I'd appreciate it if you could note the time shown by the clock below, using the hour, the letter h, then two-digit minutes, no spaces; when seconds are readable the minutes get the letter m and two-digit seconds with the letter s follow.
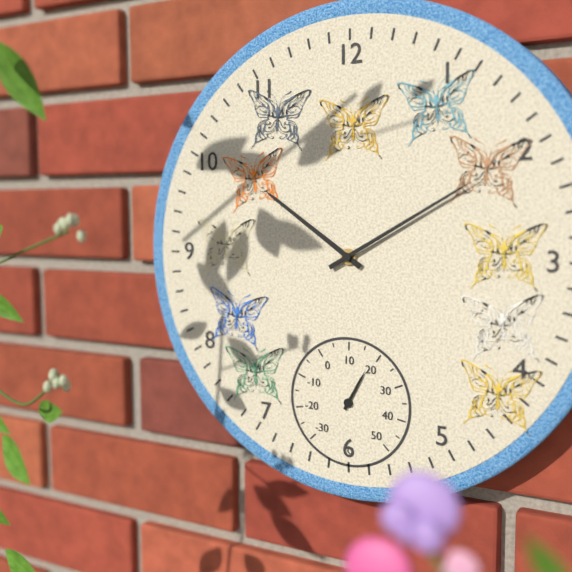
10h10
